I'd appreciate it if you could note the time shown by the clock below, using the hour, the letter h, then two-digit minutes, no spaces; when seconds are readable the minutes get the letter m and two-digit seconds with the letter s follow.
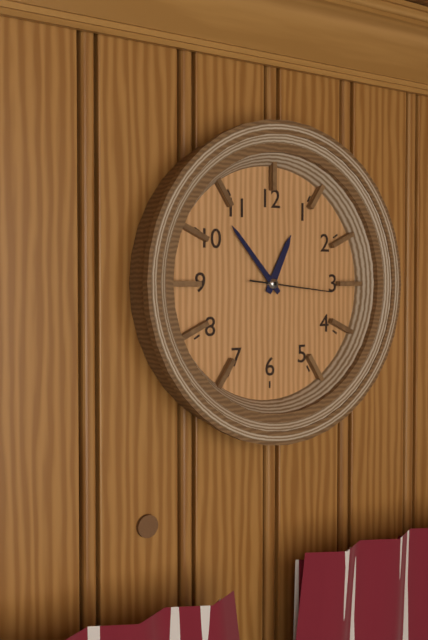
12h53m16s
